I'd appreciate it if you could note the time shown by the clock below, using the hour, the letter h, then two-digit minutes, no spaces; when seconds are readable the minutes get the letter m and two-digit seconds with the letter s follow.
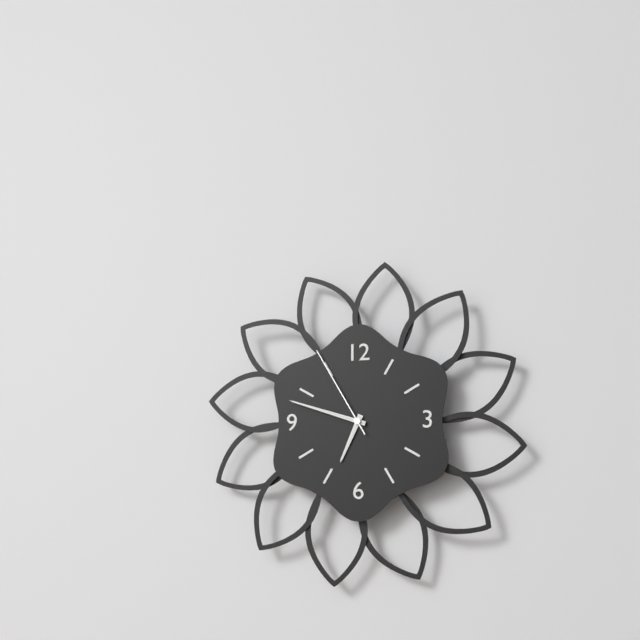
6h48m55s
